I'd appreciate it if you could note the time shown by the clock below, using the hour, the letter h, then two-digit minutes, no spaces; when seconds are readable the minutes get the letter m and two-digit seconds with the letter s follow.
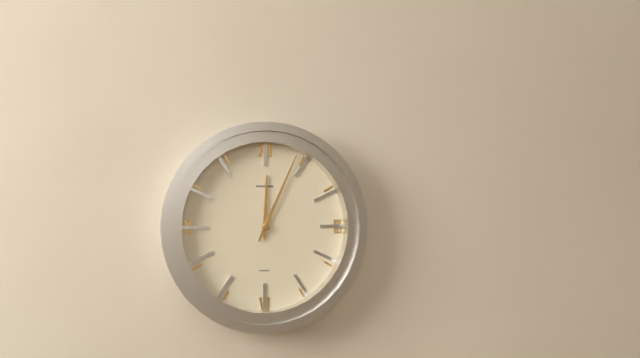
12h04
